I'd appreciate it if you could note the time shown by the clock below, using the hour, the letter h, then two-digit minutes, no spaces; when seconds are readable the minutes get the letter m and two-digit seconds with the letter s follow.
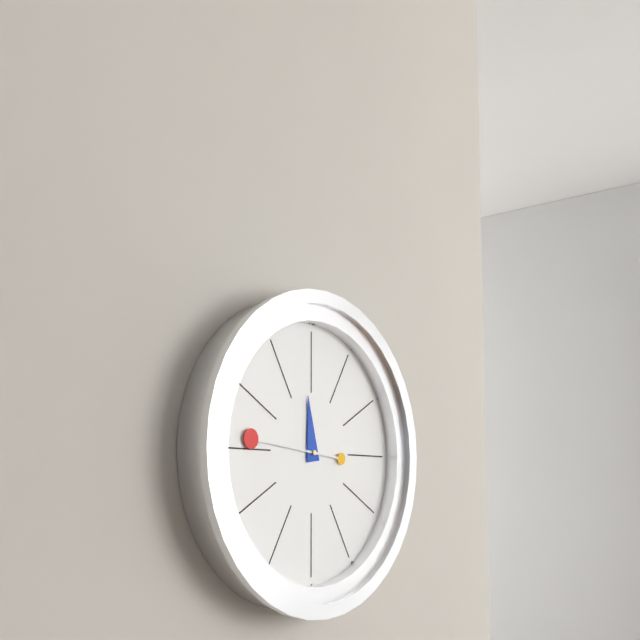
11h46
